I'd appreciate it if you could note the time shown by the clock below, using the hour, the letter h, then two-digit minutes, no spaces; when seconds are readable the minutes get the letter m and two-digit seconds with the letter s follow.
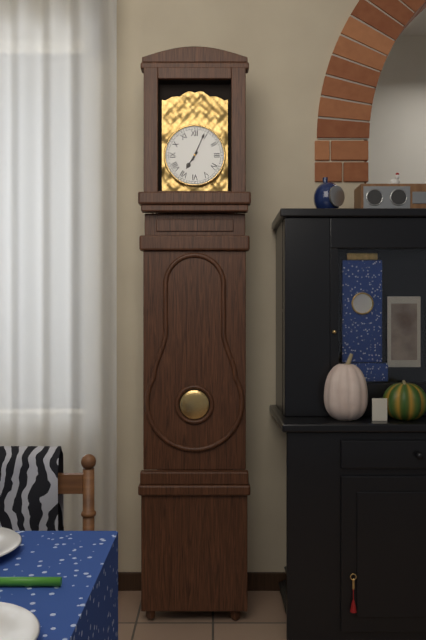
7h04
